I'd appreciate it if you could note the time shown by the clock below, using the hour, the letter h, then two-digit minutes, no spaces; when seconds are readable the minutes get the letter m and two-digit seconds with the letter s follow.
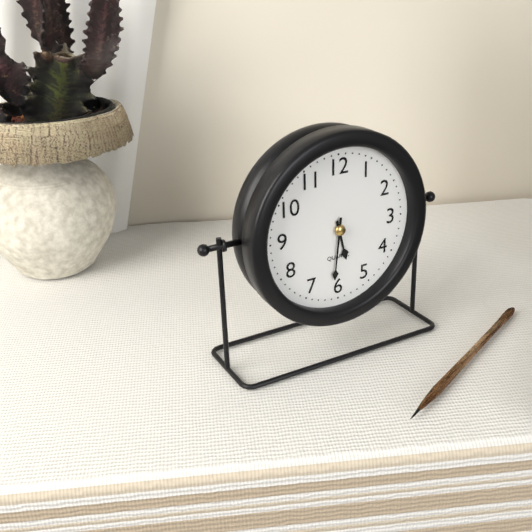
5h31
